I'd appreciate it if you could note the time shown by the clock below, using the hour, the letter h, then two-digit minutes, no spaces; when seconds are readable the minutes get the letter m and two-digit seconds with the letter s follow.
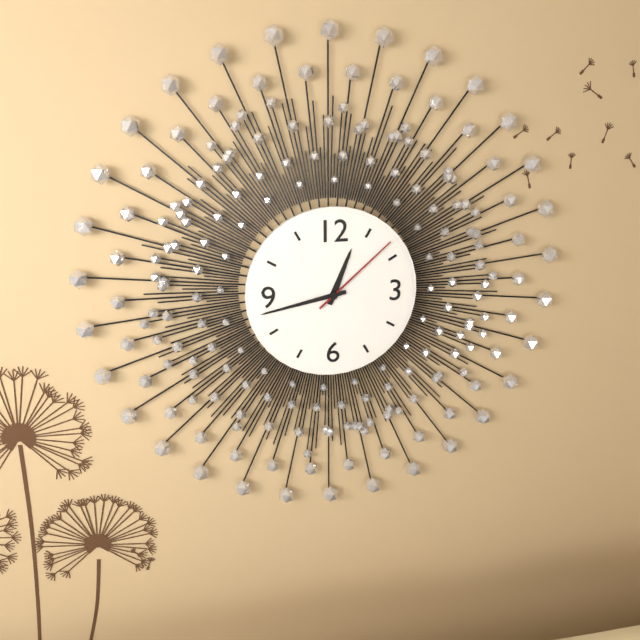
12h43m08s
